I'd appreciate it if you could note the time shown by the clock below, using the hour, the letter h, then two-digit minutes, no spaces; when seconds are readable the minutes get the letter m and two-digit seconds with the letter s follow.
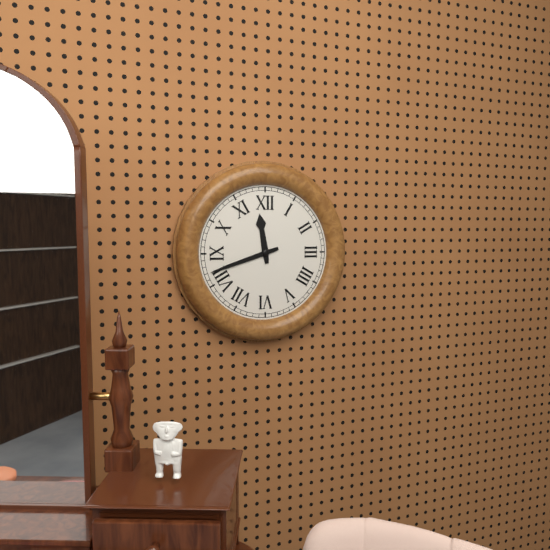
11h42
